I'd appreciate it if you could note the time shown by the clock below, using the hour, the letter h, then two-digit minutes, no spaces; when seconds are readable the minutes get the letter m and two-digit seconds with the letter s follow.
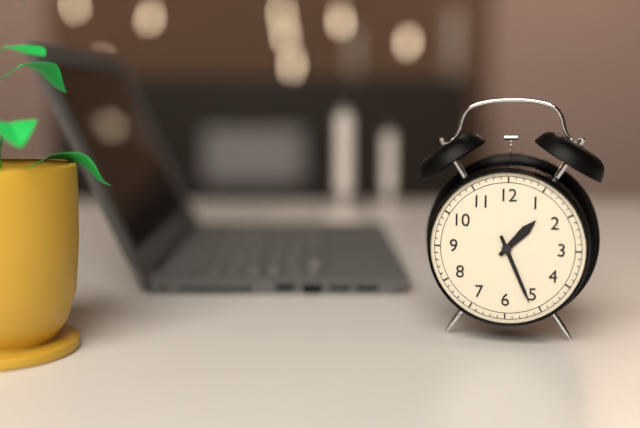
1h26
